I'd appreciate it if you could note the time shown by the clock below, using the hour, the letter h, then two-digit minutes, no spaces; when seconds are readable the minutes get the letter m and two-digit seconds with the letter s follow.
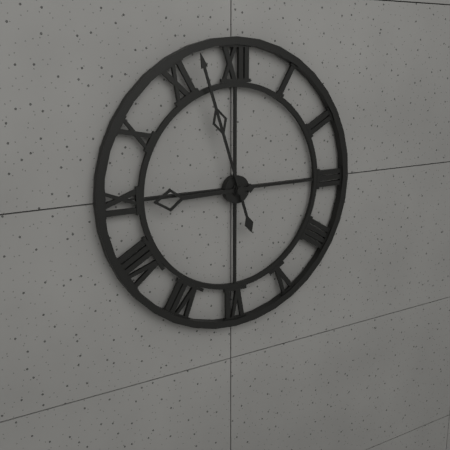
8h57
